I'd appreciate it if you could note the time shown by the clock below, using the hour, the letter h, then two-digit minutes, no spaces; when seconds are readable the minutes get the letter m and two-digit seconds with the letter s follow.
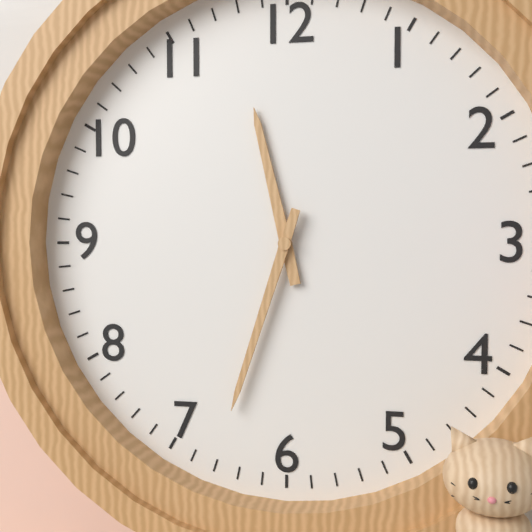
11h33
